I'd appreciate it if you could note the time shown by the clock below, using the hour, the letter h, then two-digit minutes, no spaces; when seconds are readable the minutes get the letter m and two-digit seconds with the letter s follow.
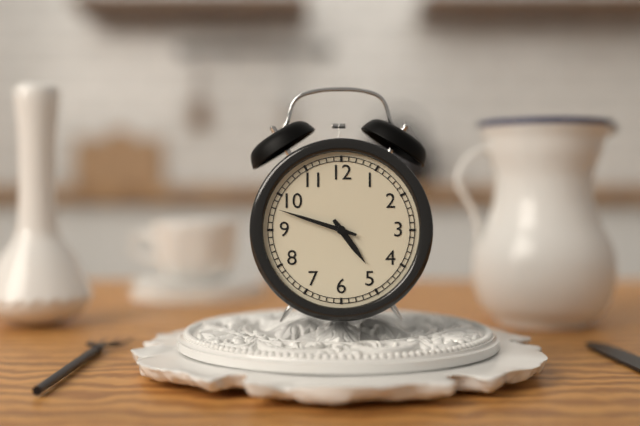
4h48
